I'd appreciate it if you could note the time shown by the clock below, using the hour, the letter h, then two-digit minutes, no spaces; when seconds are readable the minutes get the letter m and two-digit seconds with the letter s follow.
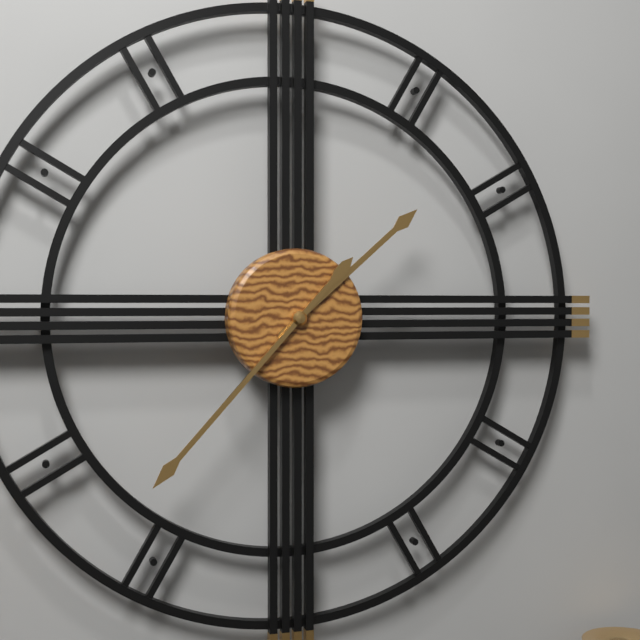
1h37
